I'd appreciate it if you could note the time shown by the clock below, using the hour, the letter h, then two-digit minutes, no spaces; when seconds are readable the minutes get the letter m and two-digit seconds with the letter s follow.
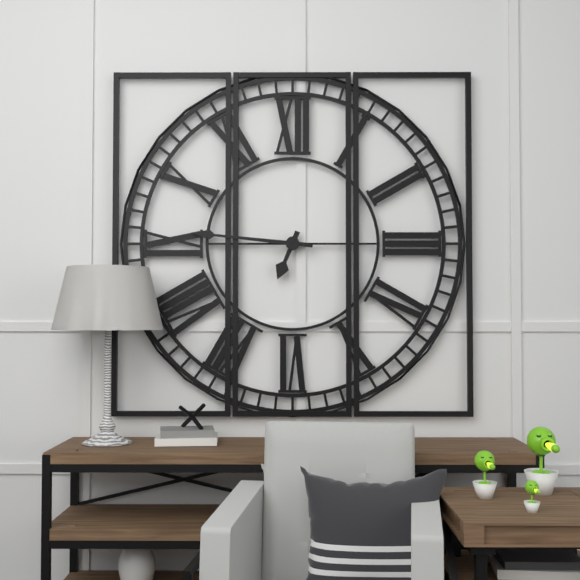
6h46
